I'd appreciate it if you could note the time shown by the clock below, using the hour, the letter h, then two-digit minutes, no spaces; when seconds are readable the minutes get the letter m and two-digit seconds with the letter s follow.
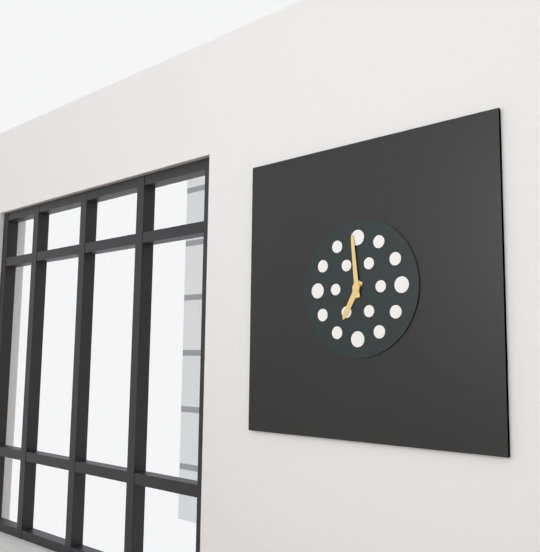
6h59
